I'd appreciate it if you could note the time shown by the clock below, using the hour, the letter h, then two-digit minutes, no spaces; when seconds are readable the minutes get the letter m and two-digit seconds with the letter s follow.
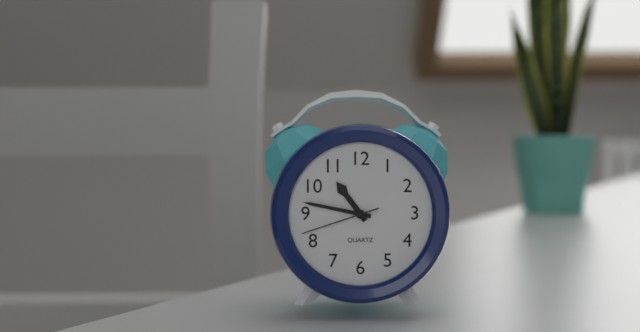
10h47m42s
